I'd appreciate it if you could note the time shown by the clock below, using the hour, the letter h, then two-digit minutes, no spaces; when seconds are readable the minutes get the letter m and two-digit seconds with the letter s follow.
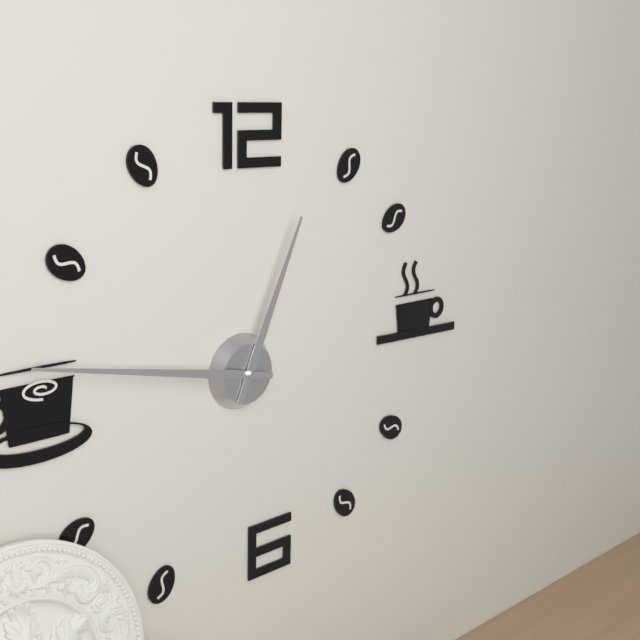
12h47
